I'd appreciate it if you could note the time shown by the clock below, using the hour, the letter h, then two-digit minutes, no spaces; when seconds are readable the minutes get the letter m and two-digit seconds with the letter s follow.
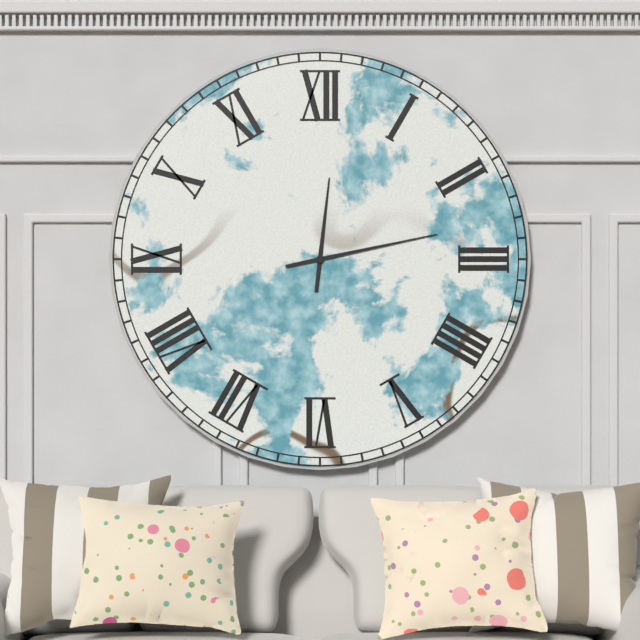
12h13
